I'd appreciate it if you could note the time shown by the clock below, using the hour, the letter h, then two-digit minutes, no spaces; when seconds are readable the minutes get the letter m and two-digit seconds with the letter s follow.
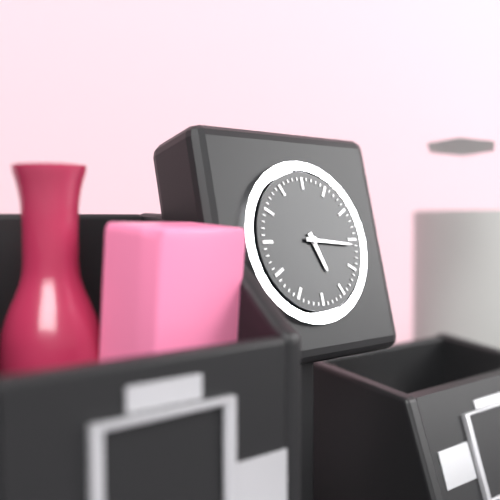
5h16
